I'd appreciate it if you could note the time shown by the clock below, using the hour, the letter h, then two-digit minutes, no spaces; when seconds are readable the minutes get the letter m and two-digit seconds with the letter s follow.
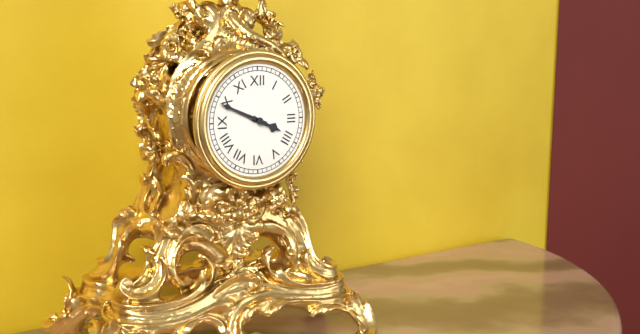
3h49
